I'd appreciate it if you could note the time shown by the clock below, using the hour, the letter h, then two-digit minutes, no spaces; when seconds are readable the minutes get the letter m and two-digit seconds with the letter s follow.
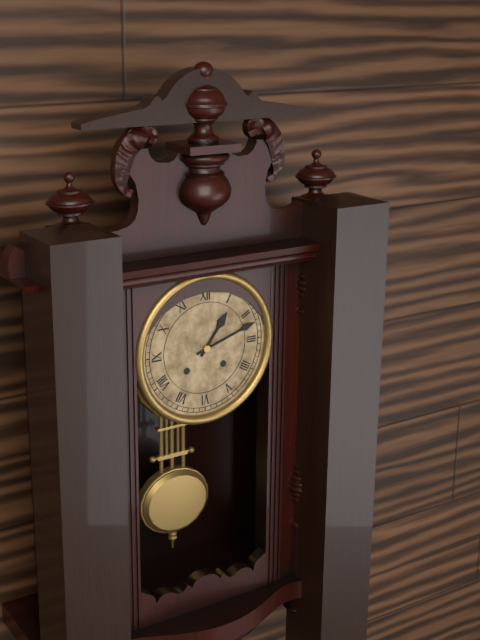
1h12
